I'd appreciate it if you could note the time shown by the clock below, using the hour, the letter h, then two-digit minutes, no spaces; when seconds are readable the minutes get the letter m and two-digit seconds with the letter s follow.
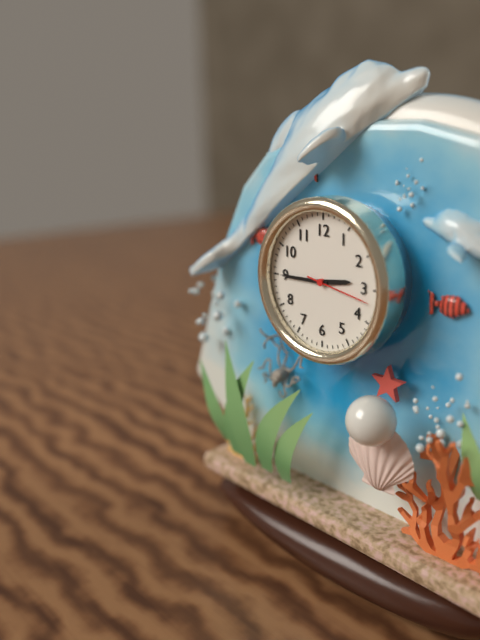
2h45m17s
